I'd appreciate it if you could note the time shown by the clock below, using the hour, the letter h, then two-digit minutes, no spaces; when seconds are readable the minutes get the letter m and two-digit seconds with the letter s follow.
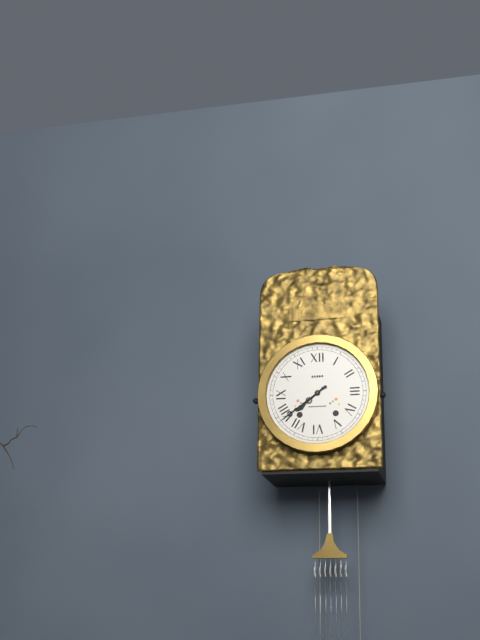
7h39
